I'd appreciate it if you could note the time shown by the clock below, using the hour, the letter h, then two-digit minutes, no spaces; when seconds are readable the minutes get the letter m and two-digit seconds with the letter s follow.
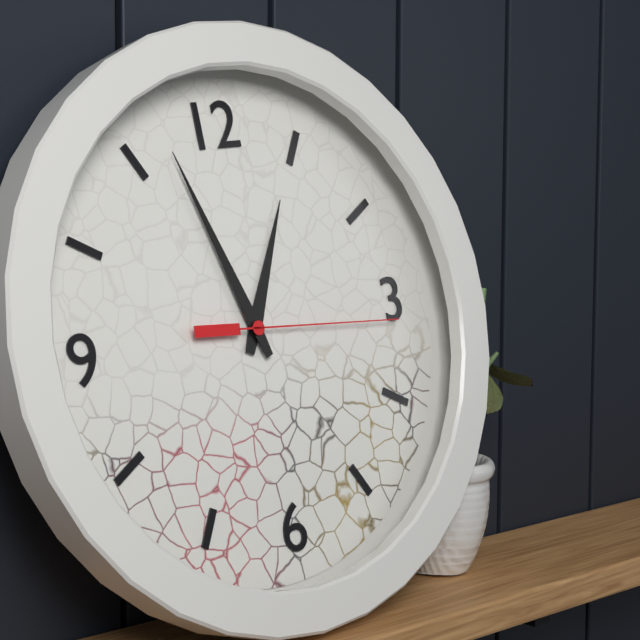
12h57m16s
